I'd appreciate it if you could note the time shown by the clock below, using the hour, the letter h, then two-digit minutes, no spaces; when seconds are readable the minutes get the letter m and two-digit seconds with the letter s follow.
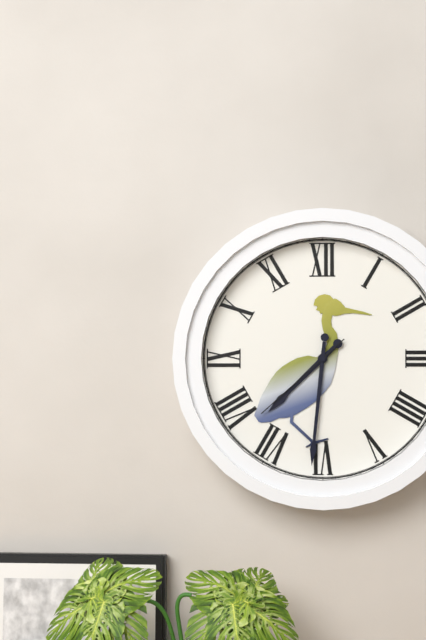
7h31m38s
